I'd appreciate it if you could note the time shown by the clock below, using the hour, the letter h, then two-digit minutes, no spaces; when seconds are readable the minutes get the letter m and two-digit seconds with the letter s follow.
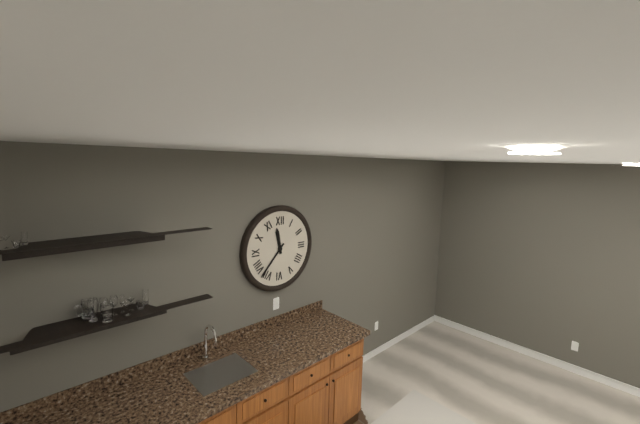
11h37
